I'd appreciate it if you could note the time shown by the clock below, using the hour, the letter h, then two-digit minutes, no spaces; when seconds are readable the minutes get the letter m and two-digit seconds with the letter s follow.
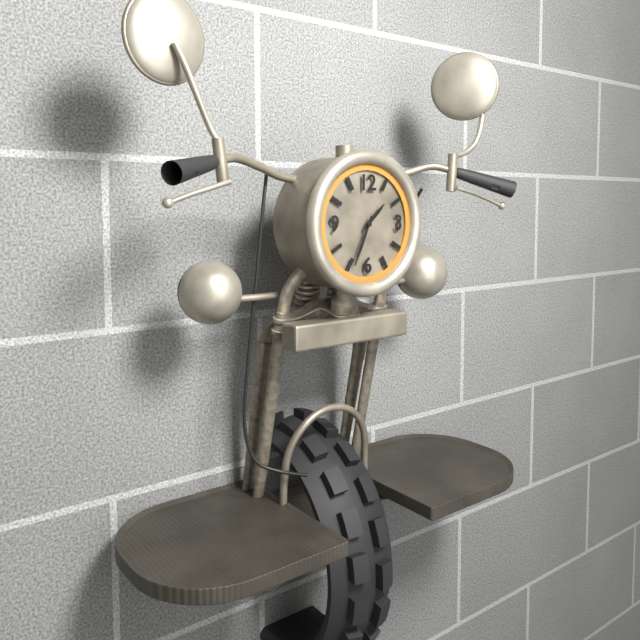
1h34
